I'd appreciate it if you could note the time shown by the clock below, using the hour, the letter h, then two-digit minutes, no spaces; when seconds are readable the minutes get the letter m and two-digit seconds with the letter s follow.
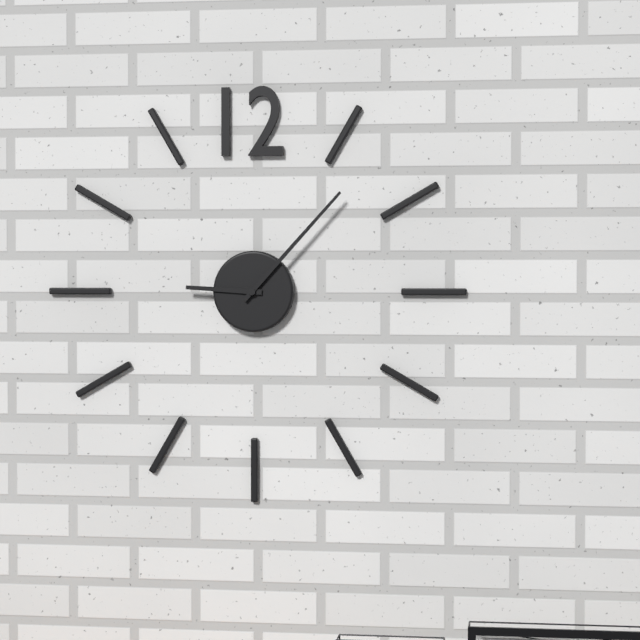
9h07
